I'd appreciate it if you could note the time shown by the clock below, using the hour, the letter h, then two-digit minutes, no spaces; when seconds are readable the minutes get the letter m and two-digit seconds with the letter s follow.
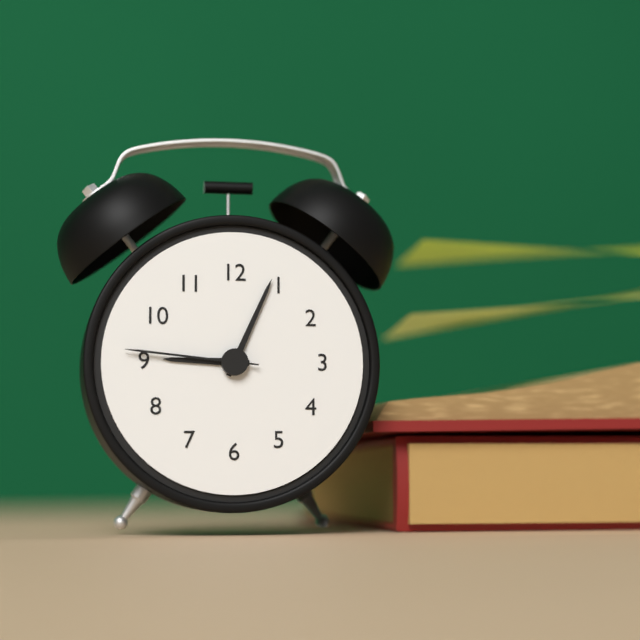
9h04m46s
